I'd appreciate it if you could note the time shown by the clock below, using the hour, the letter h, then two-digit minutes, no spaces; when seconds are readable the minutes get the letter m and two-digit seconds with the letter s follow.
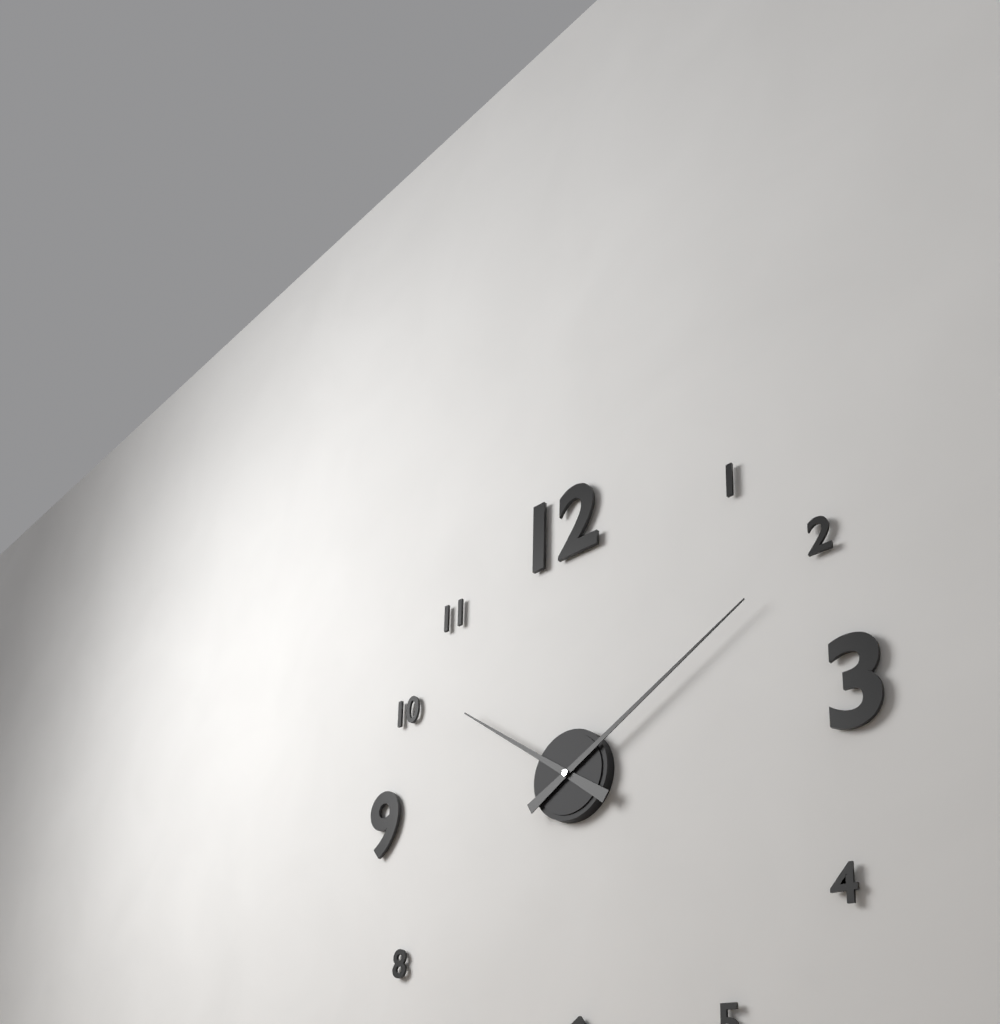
10h10
